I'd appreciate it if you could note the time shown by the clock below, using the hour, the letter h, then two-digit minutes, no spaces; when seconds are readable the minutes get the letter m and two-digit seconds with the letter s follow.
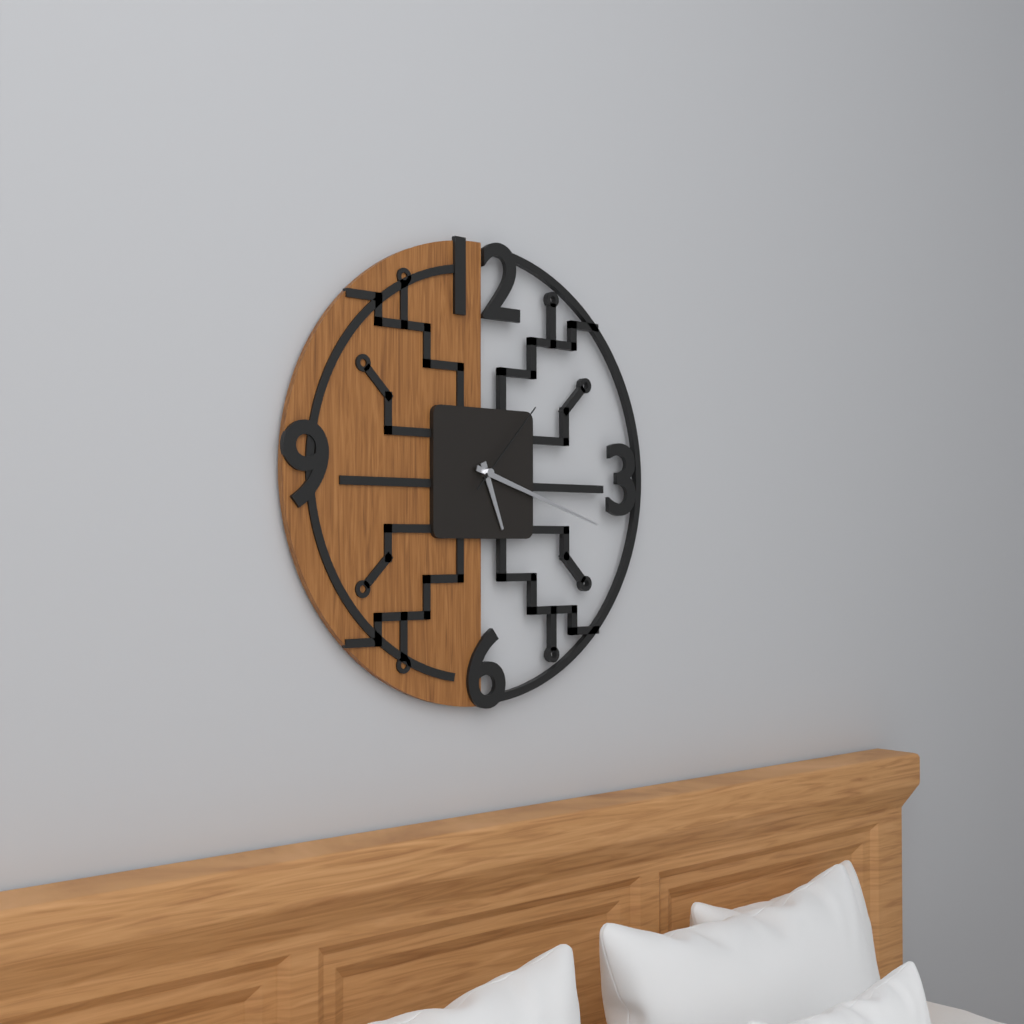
5h18m07s
